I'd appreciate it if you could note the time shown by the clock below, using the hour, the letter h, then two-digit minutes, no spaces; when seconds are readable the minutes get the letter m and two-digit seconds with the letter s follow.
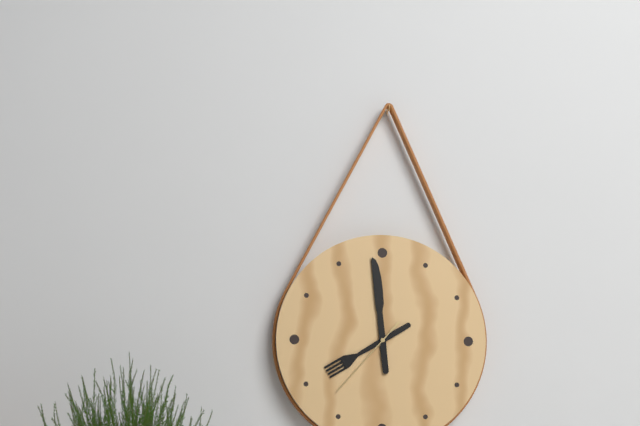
7h59m37s
